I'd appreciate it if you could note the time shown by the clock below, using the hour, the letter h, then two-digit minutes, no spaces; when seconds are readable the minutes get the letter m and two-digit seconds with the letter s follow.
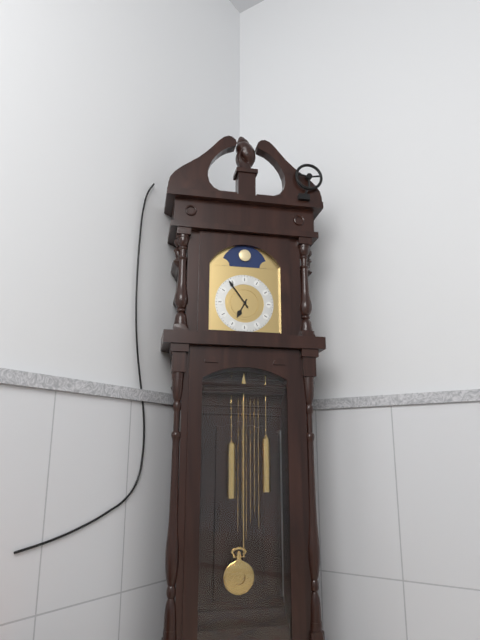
6h54
